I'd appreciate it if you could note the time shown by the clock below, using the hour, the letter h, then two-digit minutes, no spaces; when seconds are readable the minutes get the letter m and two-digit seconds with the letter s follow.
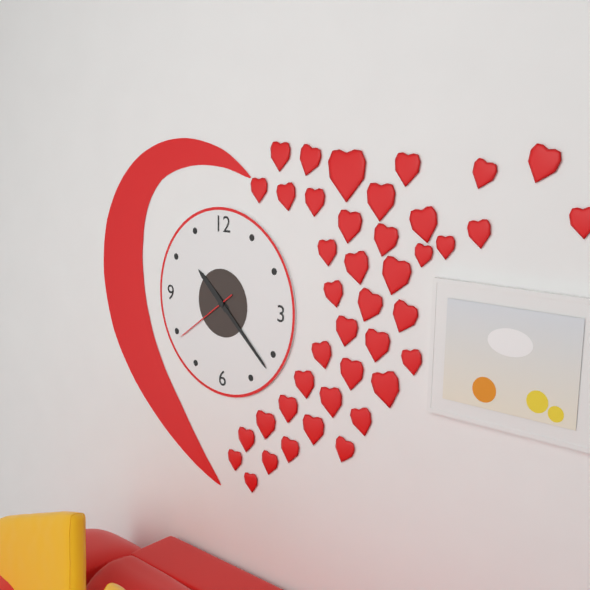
10h22m39s
